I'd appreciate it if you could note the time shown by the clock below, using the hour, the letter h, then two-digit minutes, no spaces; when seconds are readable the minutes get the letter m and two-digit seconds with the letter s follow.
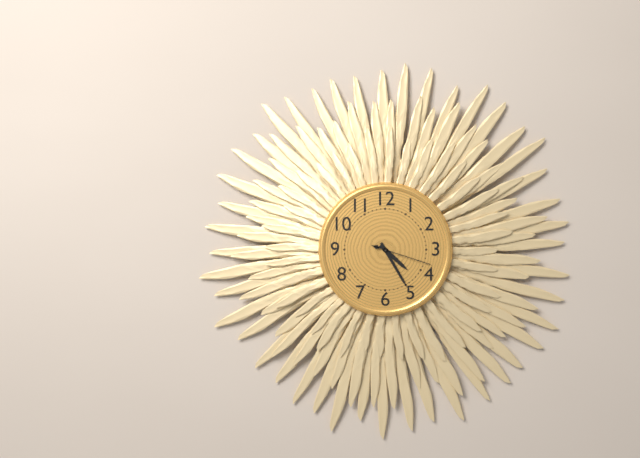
4h25m18s
